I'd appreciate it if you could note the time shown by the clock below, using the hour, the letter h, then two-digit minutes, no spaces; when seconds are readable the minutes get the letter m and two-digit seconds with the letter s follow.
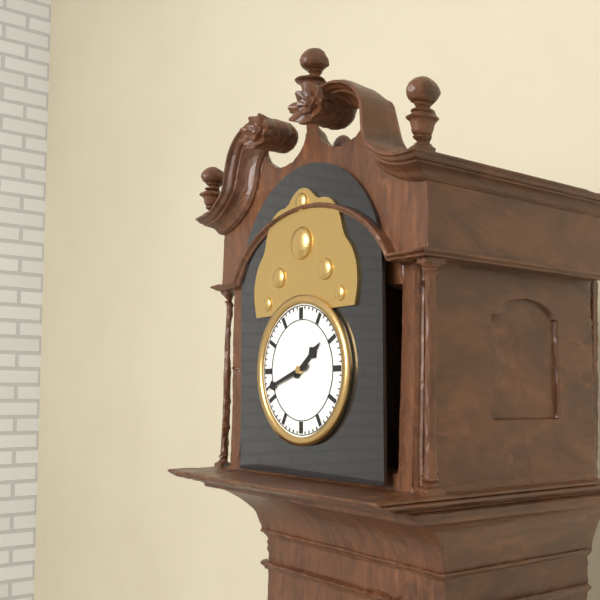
1h42
